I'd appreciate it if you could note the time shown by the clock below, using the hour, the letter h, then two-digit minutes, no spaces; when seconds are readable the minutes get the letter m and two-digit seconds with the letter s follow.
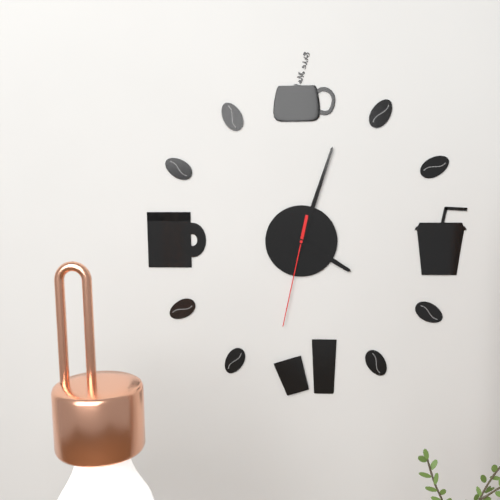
4h03m32s
